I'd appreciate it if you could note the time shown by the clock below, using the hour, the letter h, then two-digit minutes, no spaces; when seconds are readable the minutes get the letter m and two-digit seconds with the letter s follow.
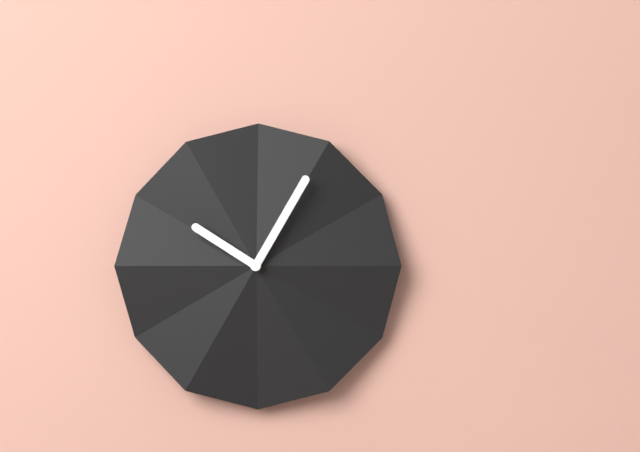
10h05
